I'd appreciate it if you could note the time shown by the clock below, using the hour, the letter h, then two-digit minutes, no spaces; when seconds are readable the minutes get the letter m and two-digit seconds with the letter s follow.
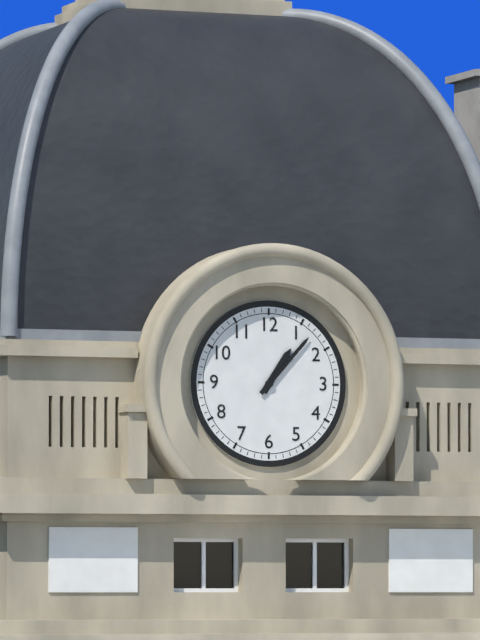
1h07
